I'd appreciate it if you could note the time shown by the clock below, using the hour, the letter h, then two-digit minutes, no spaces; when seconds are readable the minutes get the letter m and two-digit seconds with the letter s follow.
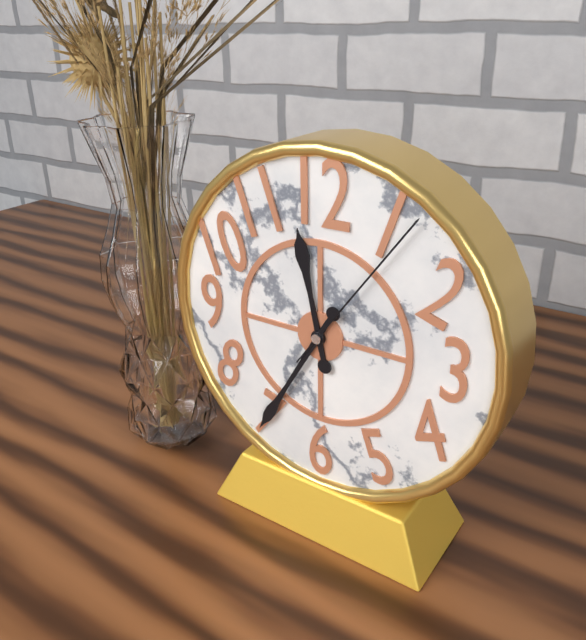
11h35m06s
